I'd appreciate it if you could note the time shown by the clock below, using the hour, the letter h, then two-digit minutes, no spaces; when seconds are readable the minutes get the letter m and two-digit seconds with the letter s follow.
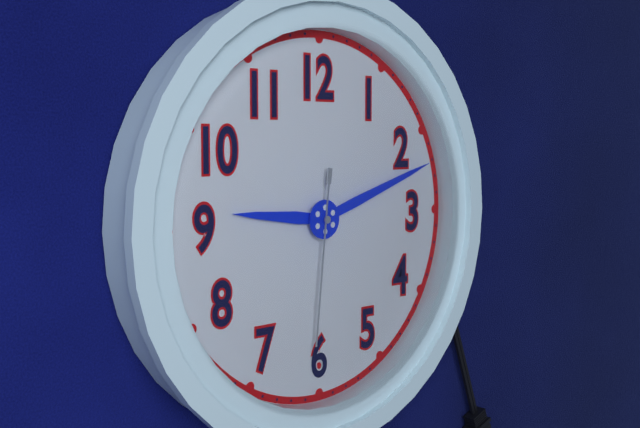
9h12m31s
